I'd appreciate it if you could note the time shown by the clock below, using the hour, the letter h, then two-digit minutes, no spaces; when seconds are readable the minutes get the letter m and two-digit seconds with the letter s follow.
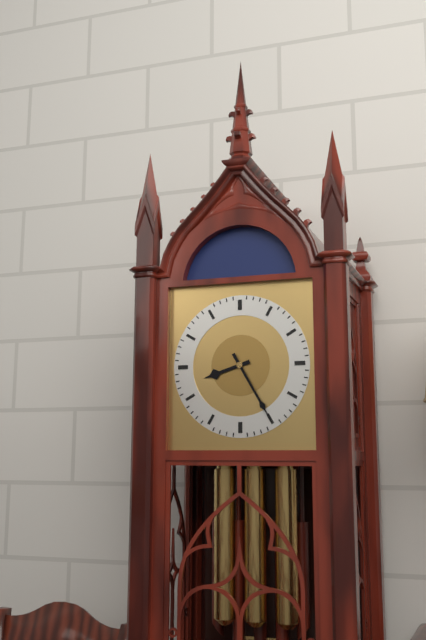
8h25
